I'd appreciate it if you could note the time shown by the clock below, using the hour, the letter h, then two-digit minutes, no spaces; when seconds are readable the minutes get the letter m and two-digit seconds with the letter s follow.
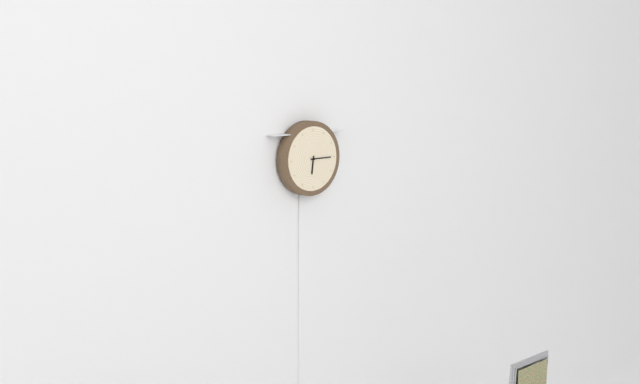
6h15
